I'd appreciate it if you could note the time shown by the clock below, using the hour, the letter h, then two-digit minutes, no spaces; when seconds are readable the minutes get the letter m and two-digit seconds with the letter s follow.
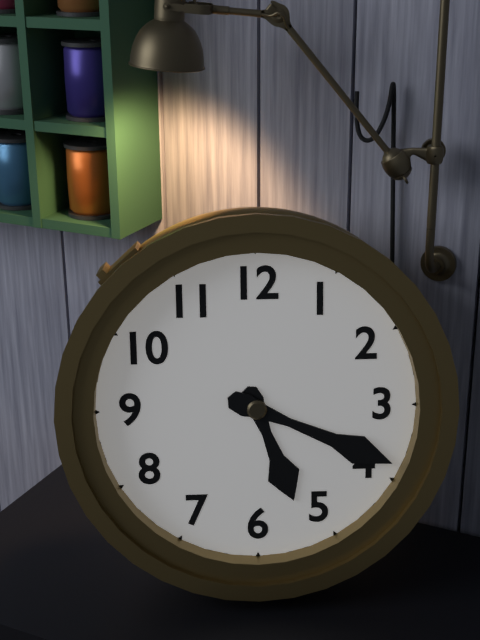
5h19
